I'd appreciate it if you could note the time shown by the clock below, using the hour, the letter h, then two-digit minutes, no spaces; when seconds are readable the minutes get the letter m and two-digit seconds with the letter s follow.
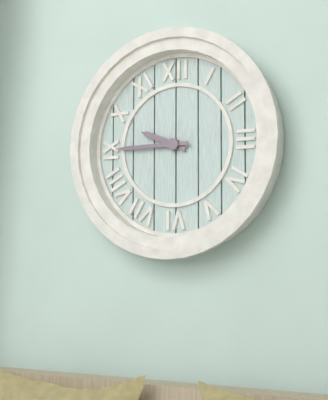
9h45
